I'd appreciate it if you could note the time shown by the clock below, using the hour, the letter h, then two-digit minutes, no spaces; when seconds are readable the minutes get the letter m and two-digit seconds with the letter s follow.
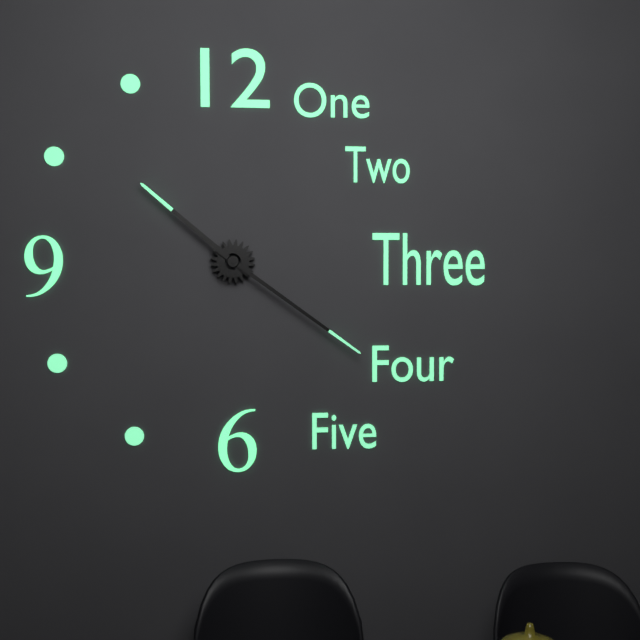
10h21
